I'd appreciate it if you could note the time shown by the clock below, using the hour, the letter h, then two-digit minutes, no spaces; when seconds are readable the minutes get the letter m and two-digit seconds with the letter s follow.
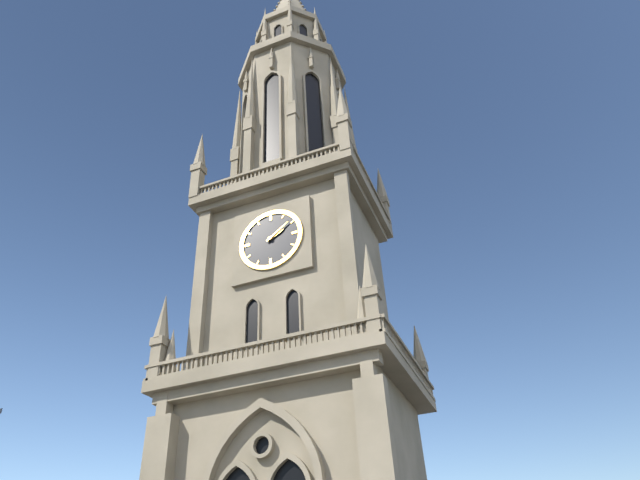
2h09
